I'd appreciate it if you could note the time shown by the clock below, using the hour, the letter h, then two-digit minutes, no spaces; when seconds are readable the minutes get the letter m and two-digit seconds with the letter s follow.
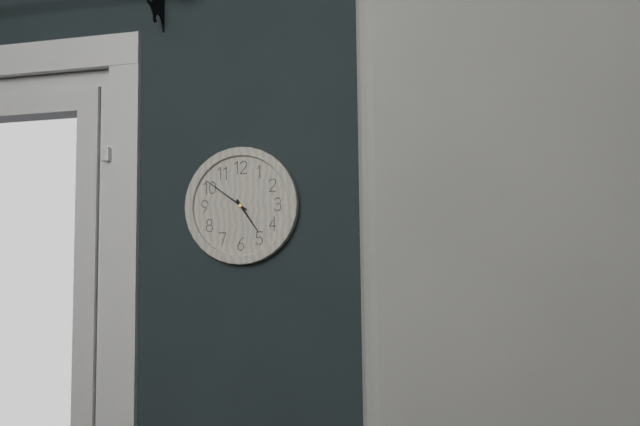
4h51
